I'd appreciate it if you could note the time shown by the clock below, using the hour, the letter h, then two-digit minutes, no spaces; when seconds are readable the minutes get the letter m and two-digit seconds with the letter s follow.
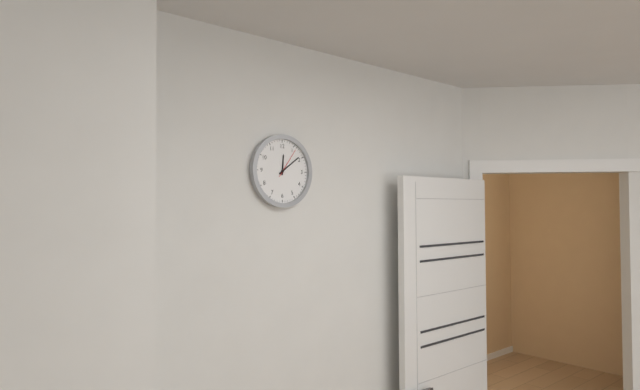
12h09
